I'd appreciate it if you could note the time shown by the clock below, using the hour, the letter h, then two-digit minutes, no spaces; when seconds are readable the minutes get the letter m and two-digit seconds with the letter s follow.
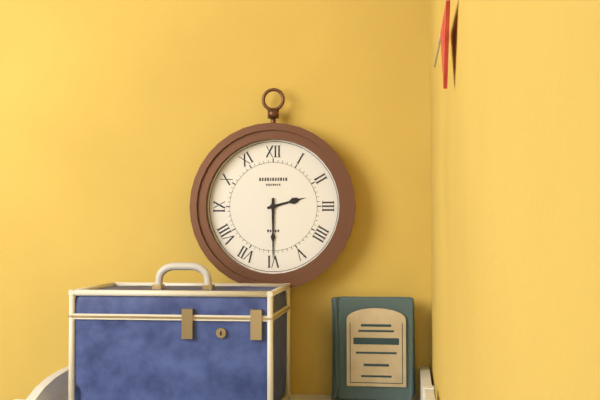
2h30
